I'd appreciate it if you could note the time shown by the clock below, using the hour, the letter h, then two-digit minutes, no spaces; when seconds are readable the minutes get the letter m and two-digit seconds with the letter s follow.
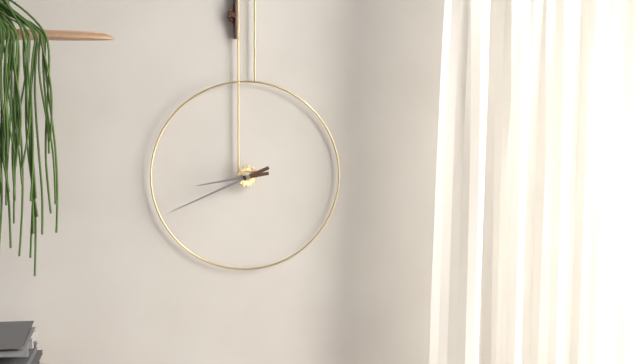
8h41
